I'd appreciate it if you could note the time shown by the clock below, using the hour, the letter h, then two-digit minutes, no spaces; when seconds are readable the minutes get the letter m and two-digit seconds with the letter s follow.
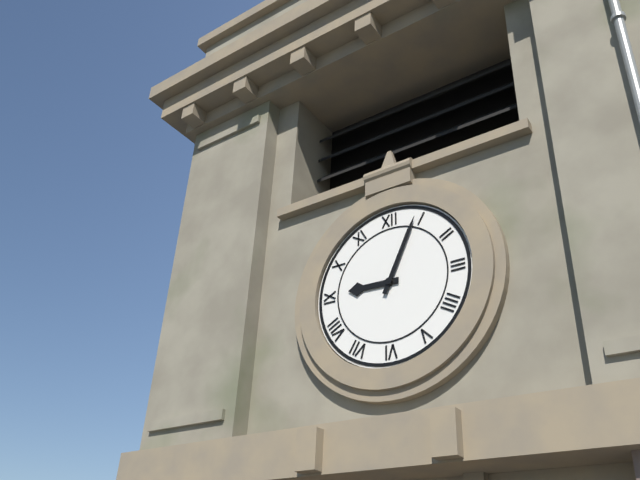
9h04
